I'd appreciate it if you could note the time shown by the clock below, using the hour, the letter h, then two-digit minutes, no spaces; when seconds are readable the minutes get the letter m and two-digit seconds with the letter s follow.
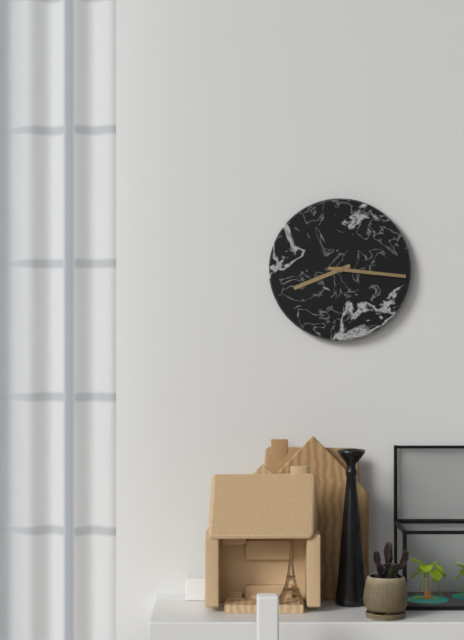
8h16
